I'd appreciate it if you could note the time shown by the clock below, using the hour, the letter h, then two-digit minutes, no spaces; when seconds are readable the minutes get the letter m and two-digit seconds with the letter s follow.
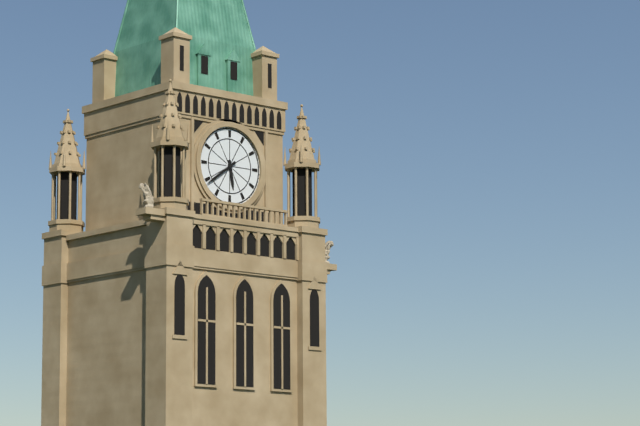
5h39
